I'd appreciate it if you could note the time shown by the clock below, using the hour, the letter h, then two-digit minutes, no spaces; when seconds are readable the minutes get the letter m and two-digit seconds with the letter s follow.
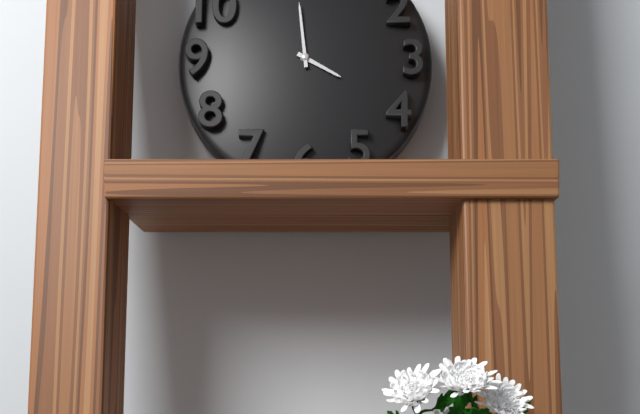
3h59
